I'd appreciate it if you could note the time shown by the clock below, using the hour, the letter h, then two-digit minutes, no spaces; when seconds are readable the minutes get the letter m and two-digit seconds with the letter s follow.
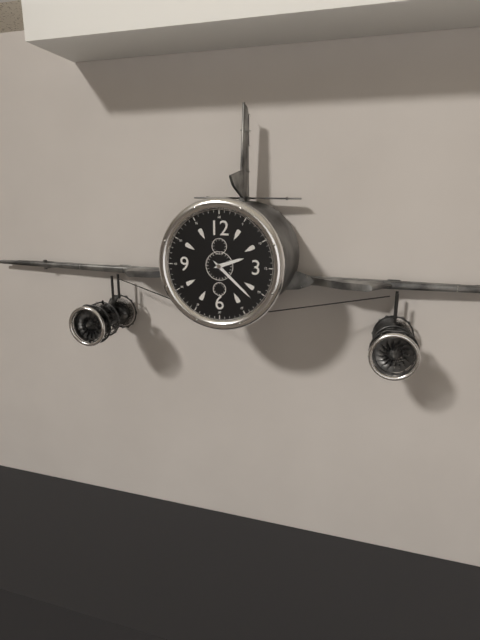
2h22
